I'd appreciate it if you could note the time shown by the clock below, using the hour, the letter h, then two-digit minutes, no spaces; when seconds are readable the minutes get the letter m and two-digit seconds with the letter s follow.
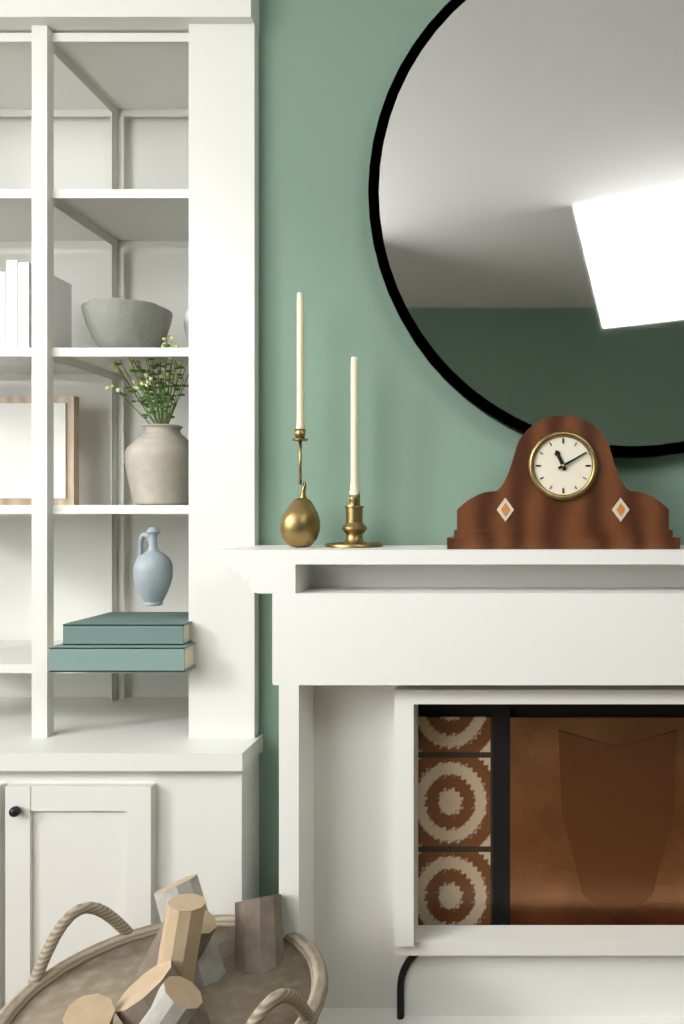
11h10
